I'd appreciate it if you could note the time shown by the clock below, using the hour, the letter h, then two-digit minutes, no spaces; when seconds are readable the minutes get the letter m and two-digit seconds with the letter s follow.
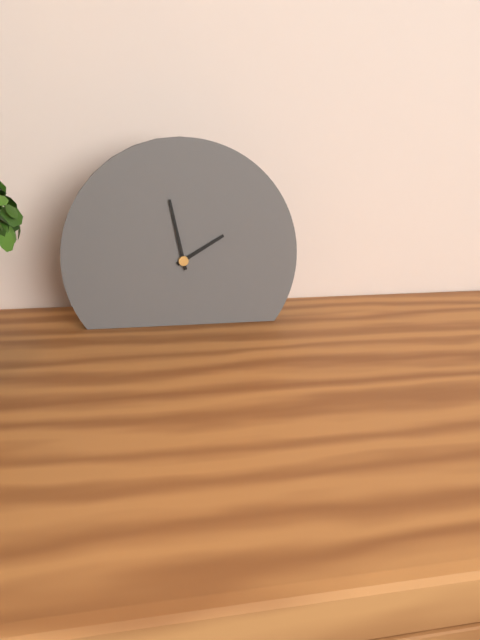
1h58
